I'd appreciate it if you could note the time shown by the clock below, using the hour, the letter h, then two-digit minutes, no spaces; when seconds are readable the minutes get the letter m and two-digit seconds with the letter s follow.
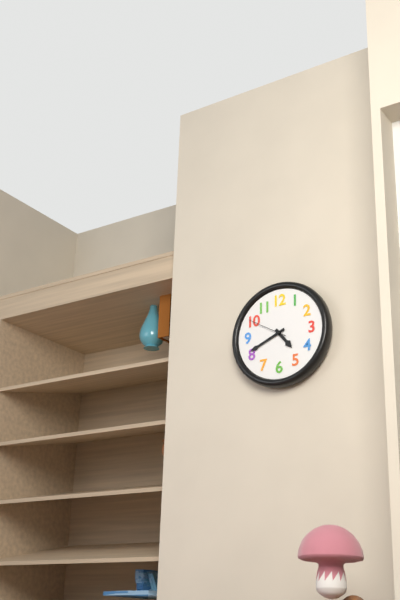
4h41
